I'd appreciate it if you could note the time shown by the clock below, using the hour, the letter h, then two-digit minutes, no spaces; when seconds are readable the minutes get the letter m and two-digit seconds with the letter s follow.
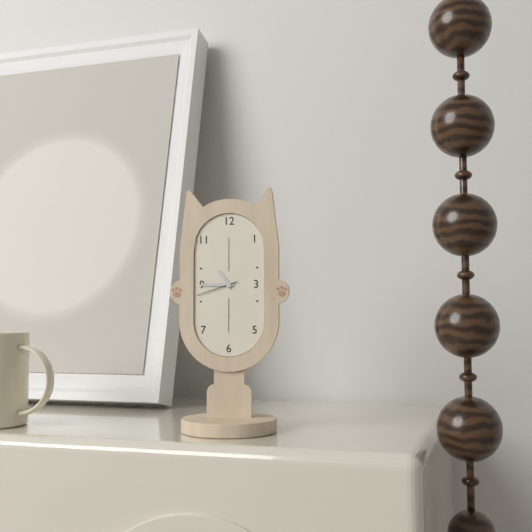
10h45
